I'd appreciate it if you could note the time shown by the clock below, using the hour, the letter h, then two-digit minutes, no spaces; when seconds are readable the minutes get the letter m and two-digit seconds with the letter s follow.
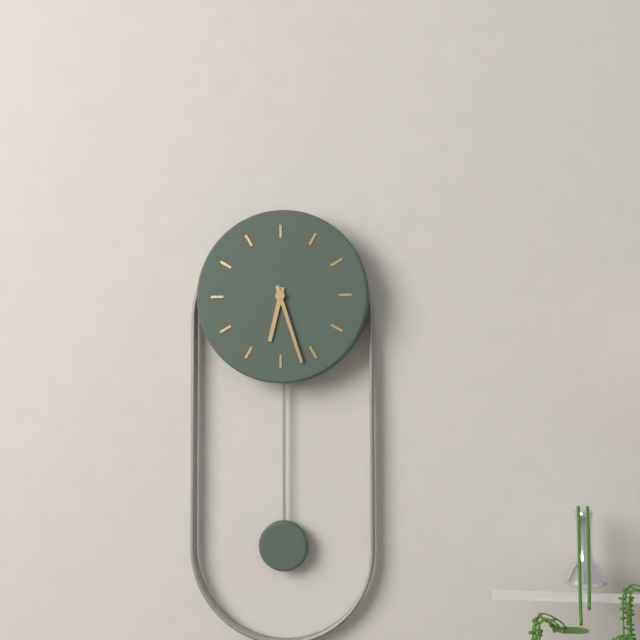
6h27
